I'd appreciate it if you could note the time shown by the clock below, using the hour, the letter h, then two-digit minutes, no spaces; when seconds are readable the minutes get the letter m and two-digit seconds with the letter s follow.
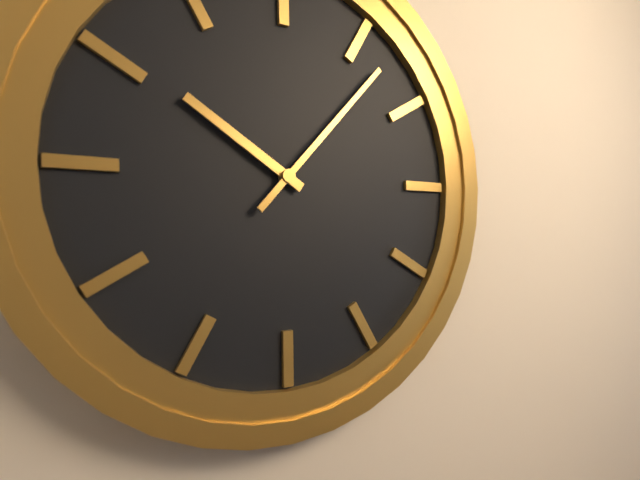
10h07
